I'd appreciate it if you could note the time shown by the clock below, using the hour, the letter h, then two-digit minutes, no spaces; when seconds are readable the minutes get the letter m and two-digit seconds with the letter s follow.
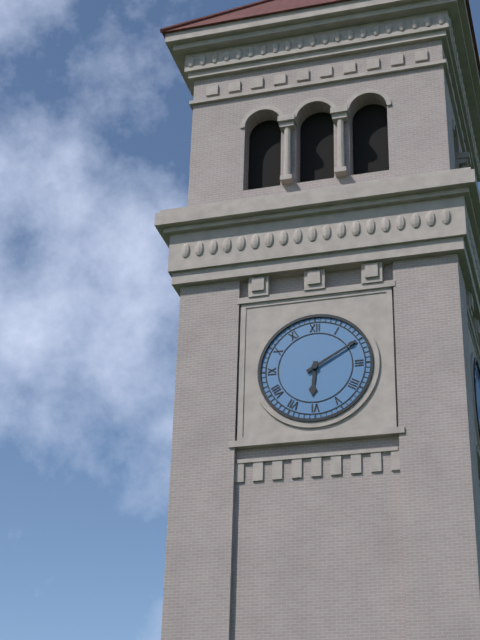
6h10
